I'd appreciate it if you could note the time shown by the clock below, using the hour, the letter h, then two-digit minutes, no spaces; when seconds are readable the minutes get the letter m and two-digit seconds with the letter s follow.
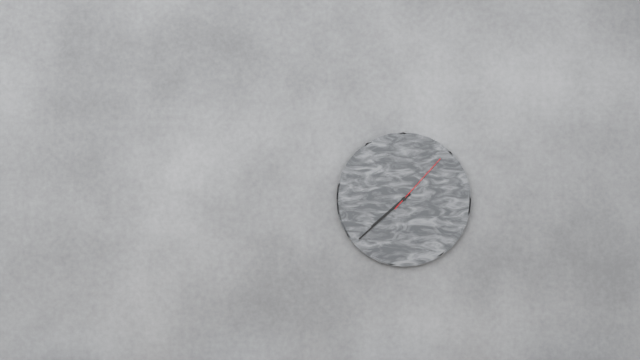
7h38m07s
